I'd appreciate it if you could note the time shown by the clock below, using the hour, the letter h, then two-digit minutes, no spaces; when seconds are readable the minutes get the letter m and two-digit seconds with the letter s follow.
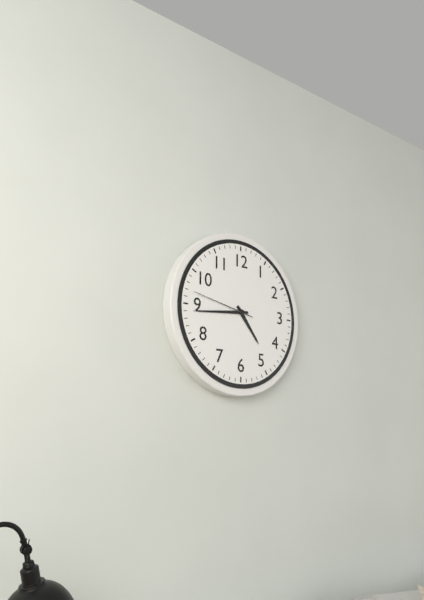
4h44m47s
